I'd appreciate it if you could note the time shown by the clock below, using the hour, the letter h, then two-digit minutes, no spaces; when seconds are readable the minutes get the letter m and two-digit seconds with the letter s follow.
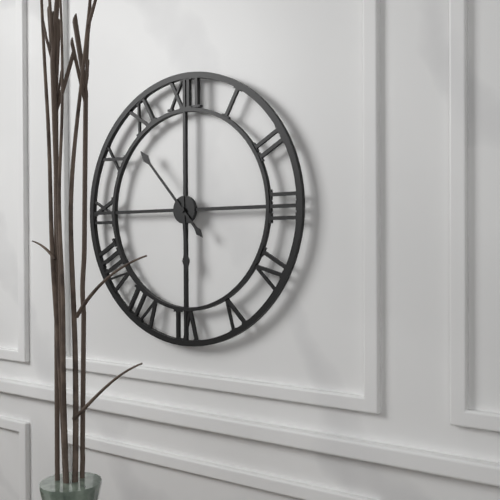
5h53
